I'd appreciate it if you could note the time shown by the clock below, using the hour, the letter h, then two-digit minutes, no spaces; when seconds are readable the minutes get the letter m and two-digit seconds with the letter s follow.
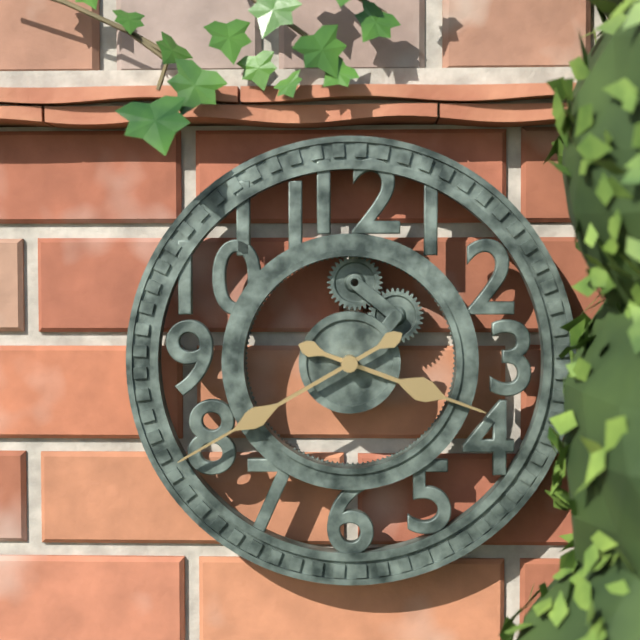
3h40
